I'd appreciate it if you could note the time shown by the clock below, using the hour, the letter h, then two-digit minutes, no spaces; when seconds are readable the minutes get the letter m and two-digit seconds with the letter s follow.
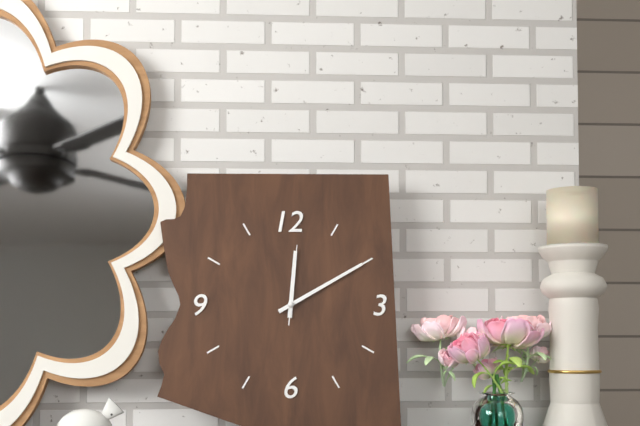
12h10m01s
